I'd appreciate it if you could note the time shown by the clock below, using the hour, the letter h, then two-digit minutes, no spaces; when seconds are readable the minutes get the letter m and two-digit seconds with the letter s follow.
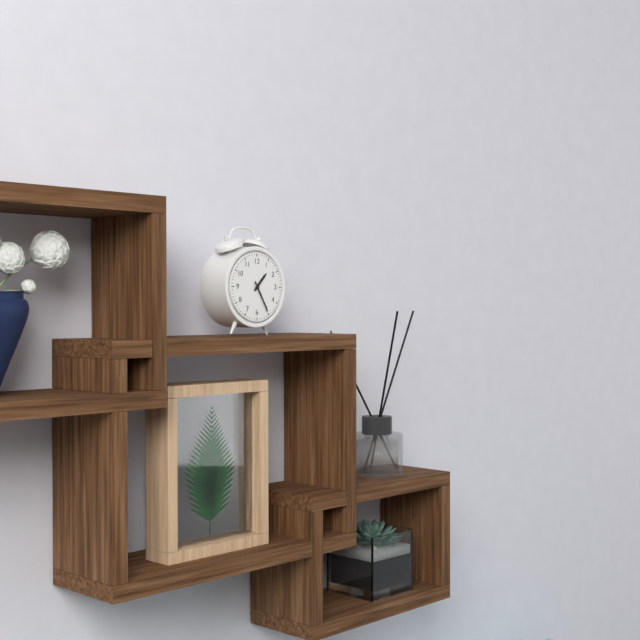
1h25
